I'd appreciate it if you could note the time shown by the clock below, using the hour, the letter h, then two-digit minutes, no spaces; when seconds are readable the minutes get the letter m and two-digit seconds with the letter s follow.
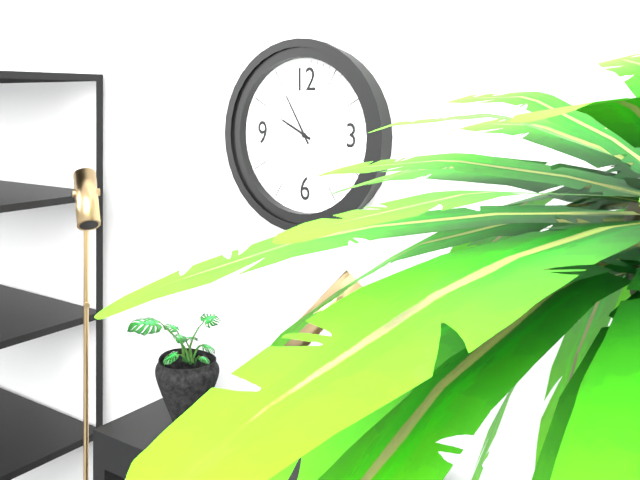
9h55
